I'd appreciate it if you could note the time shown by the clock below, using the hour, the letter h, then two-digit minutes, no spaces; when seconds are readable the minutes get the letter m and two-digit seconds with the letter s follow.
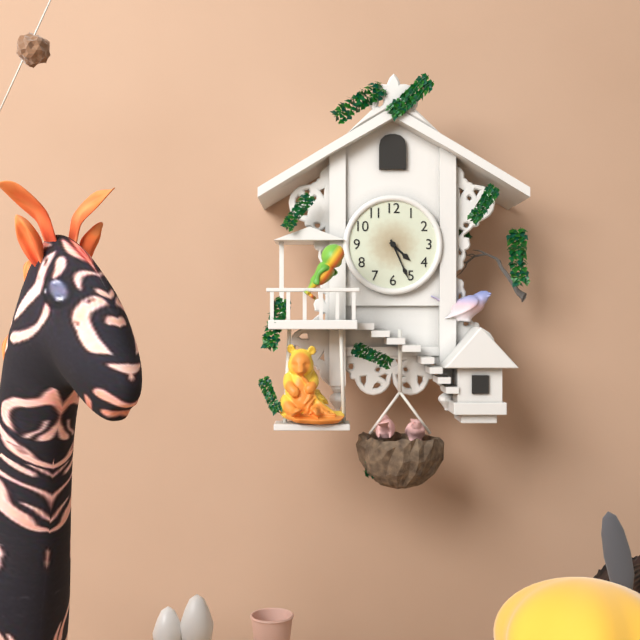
4h26
